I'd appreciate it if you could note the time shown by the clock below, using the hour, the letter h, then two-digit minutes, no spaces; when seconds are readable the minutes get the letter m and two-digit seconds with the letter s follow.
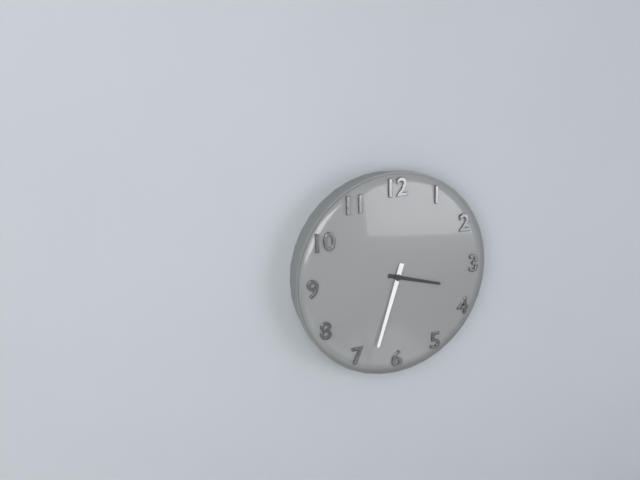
3h33
